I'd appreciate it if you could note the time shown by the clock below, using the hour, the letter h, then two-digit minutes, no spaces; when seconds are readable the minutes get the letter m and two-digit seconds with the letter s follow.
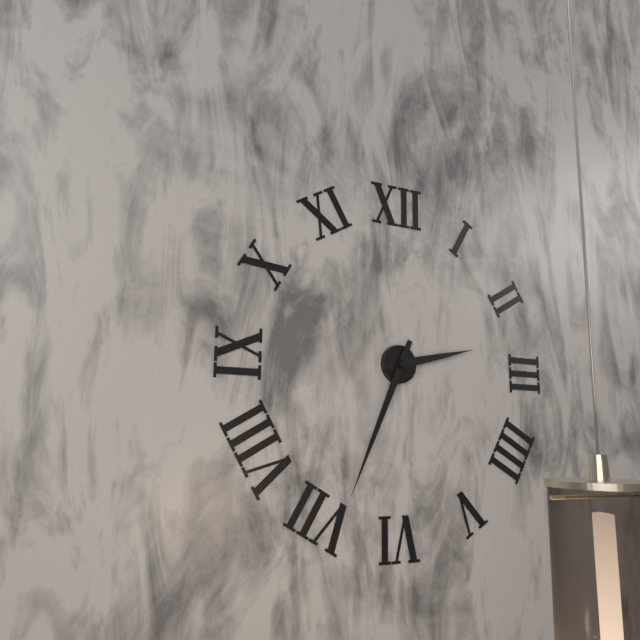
2h34
